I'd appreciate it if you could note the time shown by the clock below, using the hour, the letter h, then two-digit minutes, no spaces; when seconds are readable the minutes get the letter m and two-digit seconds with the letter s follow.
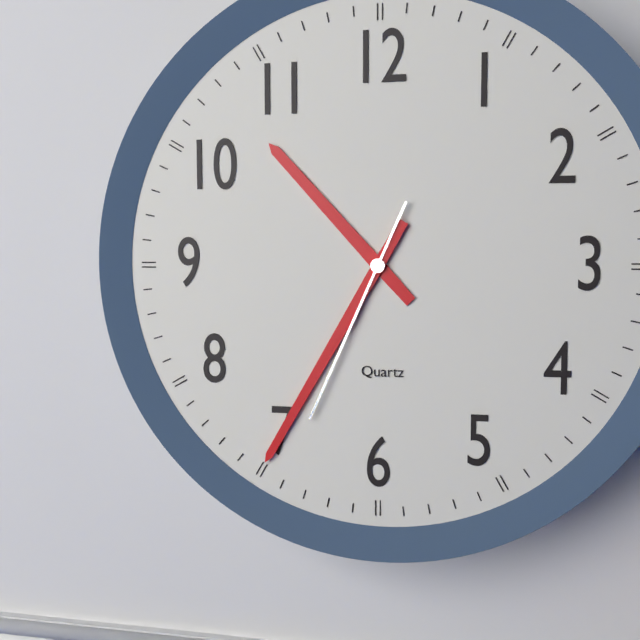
10h35m34s
